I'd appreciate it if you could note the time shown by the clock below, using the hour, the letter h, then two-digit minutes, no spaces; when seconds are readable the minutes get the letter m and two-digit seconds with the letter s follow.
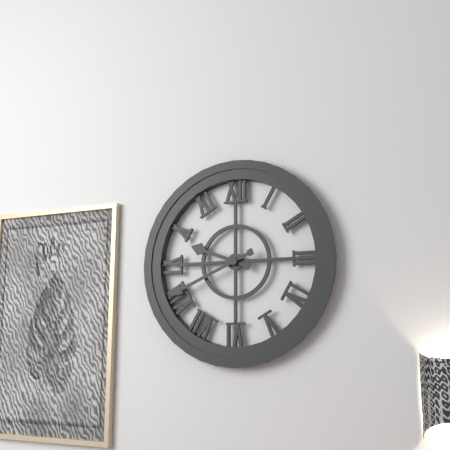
9h41
